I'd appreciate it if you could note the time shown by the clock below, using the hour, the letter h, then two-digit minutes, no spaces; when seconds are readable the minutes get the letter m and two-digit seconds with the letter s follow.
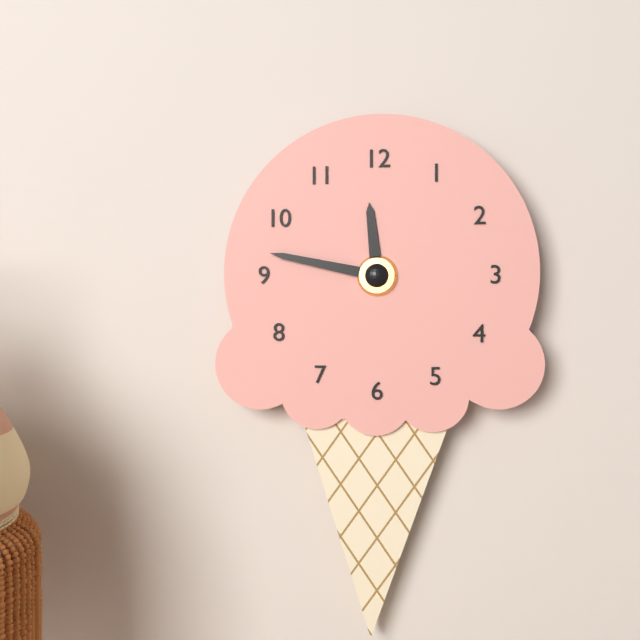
11h47
